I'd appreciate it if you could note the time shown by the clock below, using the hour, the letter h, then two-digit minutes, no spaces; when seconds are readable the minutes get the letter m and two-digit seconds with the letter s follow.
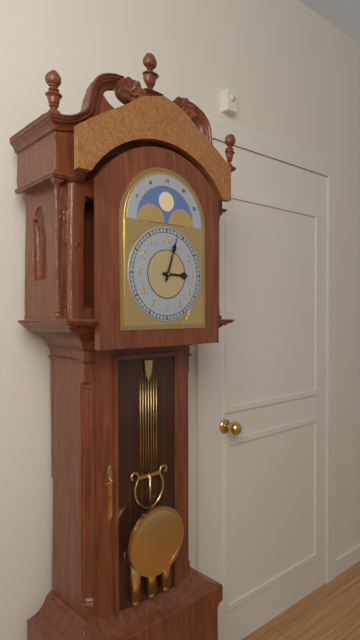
3h03
